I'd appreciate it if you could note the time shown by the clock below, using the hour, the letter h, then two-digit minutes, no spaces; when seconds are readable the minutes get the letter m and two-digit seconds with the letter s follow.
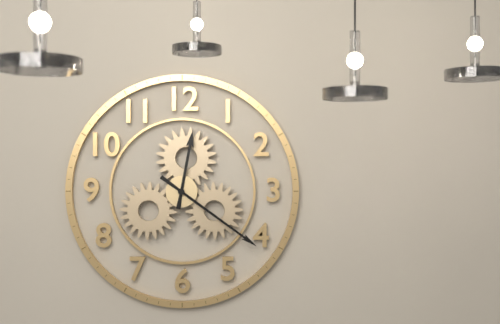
12h21
